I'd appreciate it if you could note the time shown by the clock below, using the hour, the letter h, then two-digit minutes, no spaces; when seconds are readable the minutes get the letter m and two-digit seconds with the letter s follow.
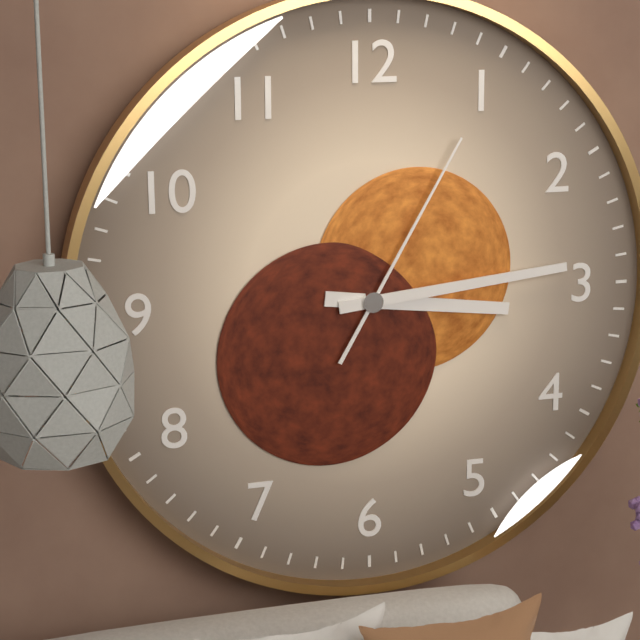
3h14m05s
